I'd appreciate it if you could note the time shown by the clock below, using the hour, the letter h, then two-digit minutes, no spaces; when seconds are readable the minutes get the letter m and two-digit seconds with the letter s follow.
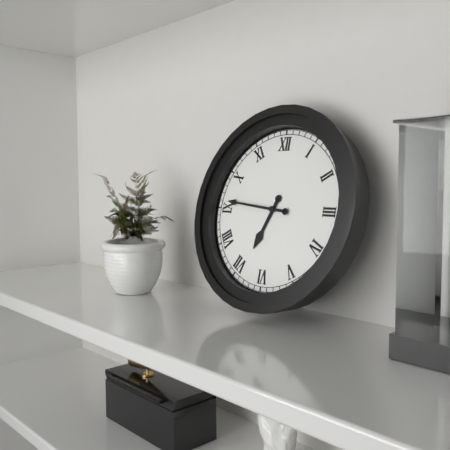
6h46
